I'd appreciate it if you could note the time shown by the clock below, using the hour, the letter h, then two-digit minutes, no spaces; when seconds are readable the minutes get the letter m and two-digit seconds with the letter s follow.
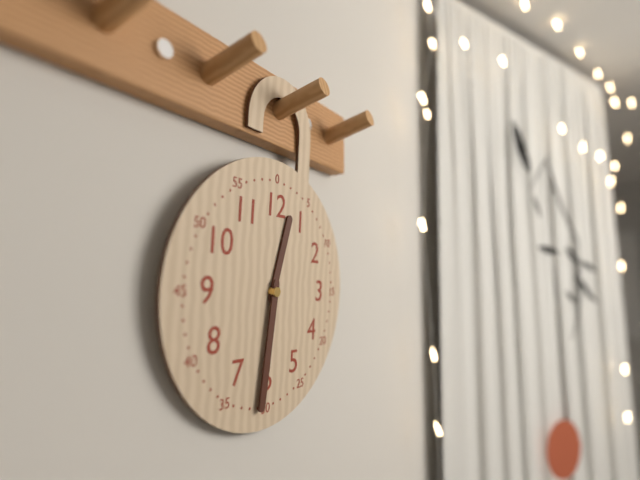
12h31
